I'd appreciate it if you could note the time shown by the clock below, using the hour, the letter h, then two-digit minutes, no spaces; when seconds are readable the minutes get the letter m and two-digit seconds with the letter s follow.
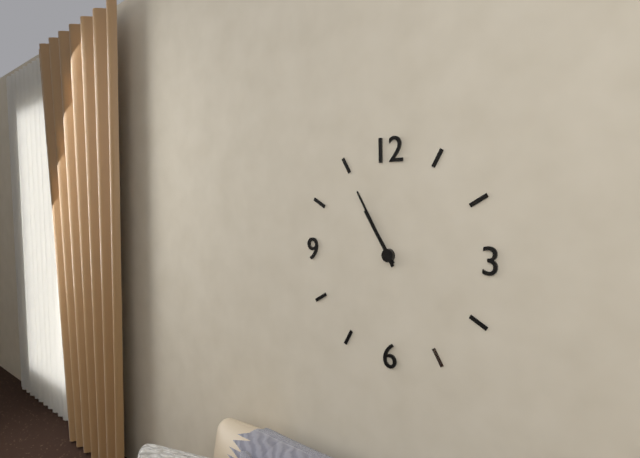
10h55
